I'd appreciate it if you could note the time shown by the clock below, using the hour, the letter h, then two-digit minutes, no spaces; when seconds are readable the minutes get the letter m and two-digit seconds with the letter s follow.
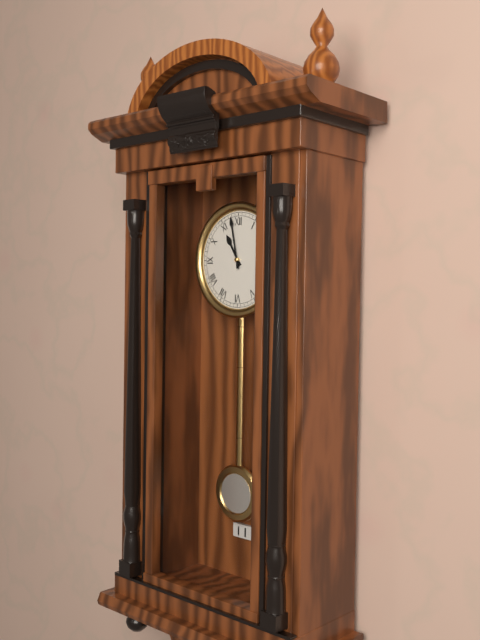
10h58
